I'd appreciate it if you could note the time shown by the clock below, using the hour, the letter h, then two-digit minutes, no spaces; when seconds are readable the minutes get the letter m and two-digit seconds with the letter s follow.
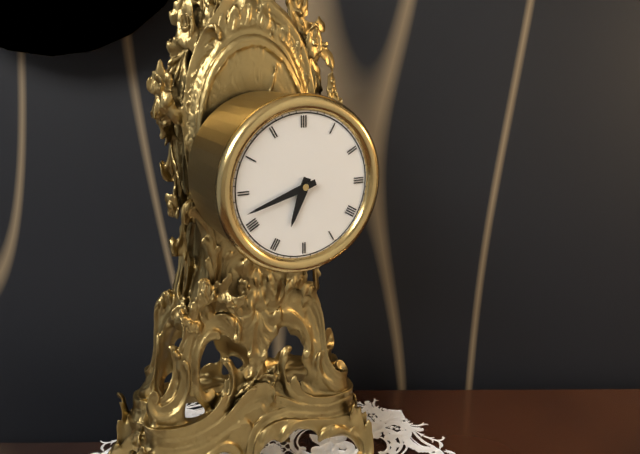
6h42
